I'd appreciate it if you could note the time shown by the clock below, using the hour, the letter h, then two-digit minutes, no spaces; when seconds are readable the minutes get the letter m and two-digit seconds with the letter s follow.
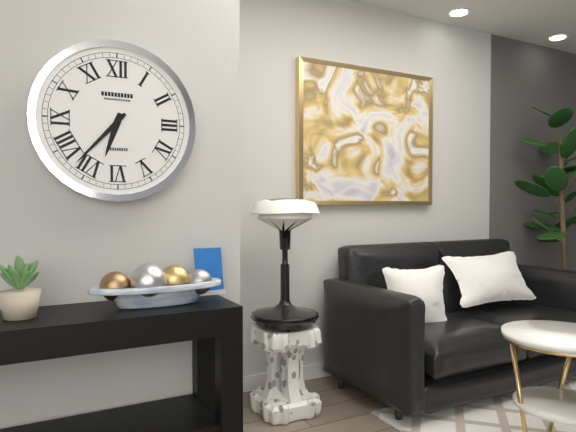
6h37
